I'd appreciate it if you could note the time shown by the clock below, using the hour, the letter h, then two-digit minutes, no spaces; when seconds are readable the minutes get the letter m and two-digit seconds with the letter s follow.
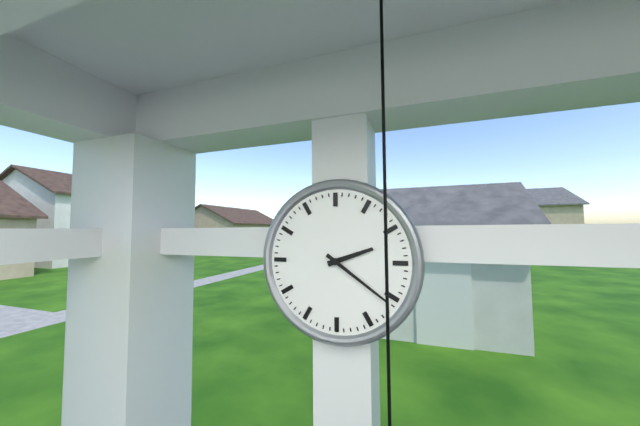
2h21
